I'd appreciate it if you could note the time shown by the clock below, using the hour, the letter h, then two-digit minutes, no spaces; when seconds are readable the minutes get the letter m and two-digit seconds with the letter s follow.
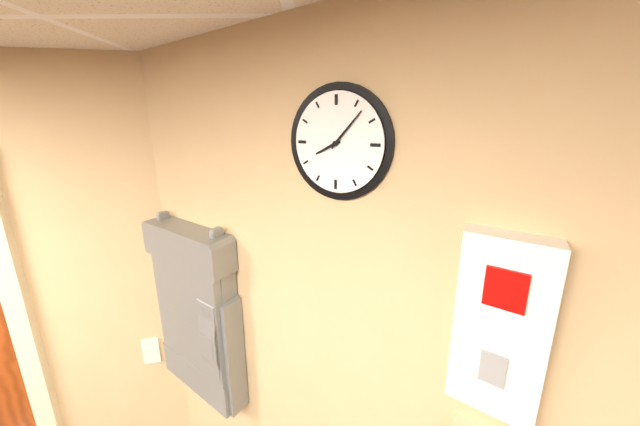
8h07
